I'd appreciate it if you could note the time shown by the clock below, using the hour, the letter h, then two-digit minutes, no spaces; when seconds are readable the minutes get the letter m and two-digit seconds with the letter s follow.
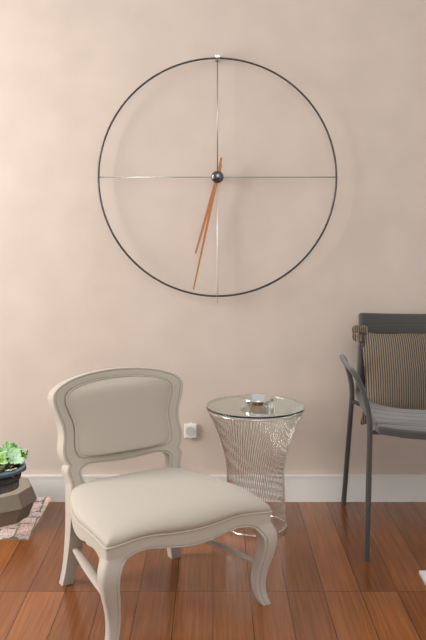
6h32
